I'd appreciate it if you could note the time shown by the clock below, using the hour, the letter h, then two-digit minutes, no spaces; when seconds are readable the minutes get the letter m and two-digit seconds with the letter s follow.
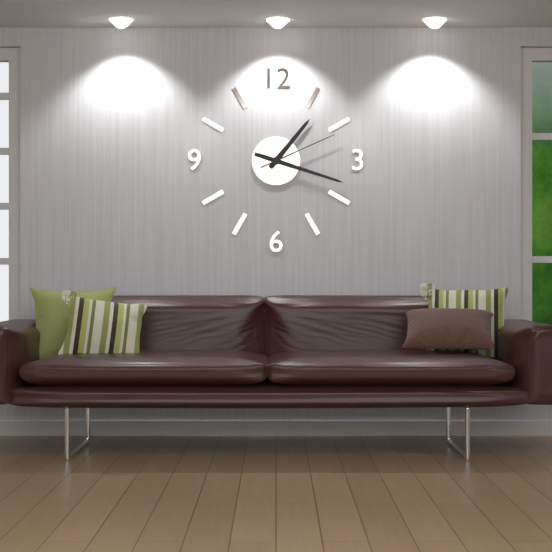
1h18m11s
